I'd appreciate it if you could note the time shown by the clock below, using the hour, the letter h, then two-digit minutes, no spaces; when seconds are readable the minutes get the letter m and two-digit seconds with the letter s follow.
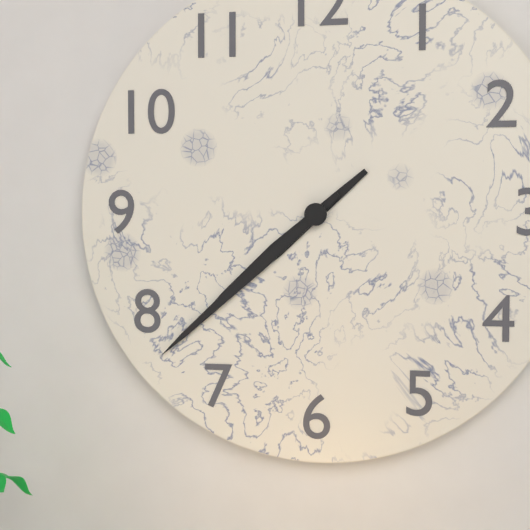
7h38
